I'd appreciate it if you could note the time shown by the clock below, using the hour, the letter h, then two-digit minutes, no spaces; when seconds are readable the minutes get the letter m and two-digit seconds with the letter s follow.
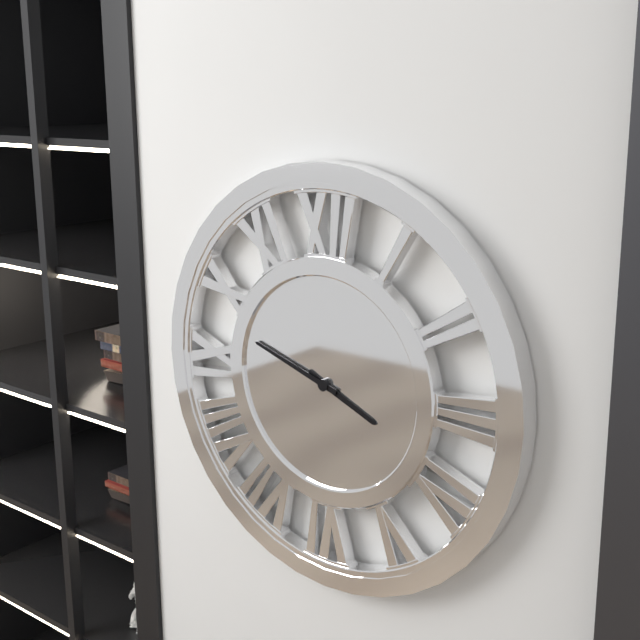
3h48
